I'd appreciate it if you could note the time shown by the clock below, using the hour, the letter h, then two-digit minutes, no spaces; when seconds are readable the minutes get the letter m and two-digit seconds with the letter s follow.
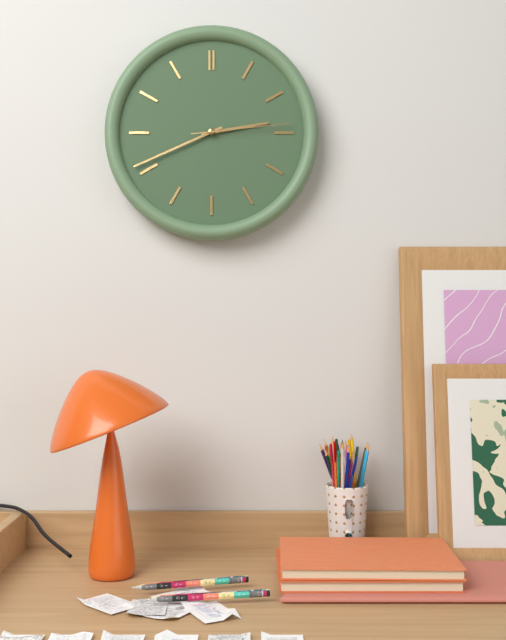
2h41m14s
